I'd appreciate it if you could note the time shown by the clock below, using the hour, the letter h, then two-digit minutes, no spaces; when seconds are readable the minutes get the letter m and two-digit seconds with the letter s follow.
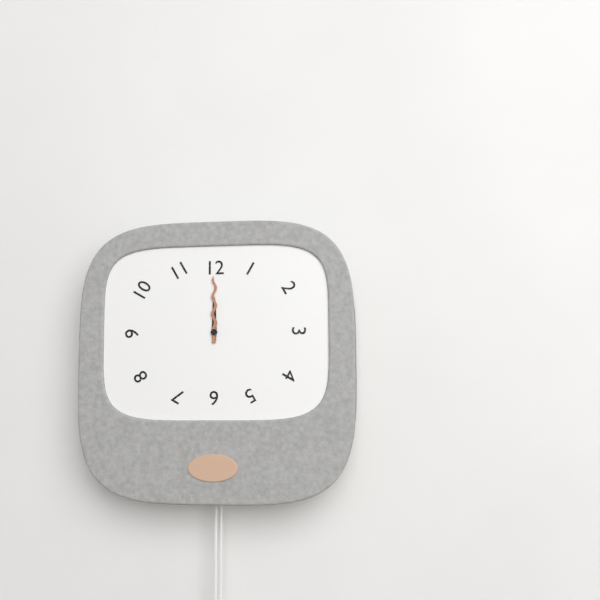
12h00
